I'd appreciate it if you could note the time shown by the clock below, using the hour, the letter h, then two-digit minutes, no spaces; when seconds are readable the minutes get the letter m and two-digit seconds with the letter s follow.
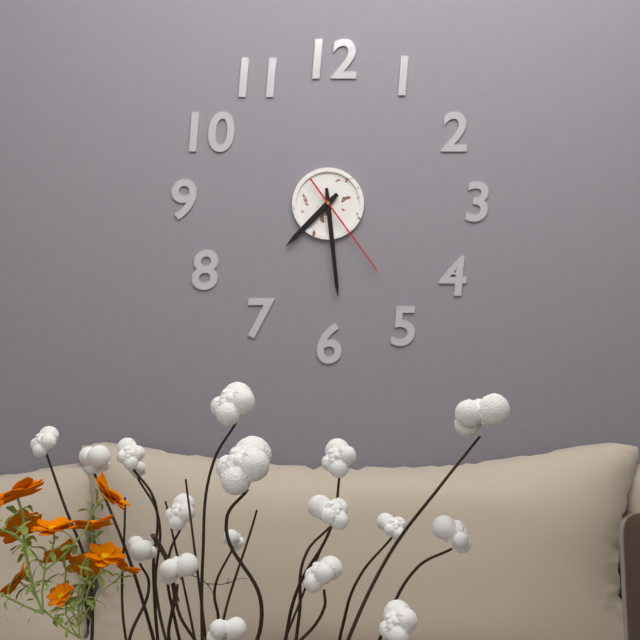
7h29m24s
